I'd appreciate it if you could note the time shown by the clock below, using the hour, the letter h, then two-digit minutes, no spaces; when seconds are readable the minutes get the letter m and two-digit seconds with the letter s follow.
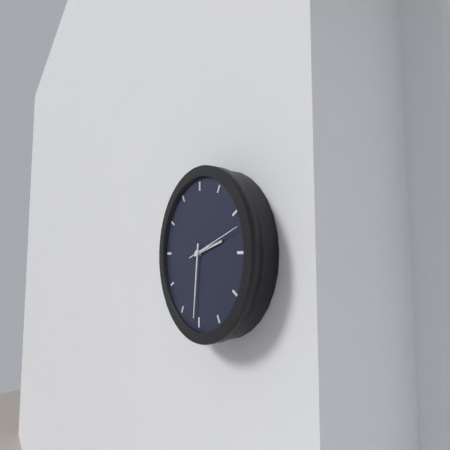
2h31m12s
